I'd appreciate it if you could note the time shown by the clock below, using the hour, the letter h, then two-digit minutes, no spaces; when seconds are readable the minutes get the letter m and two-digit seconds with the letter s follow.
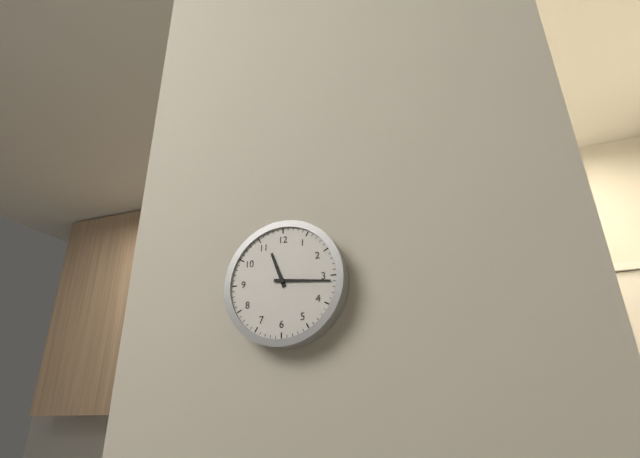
11h16
